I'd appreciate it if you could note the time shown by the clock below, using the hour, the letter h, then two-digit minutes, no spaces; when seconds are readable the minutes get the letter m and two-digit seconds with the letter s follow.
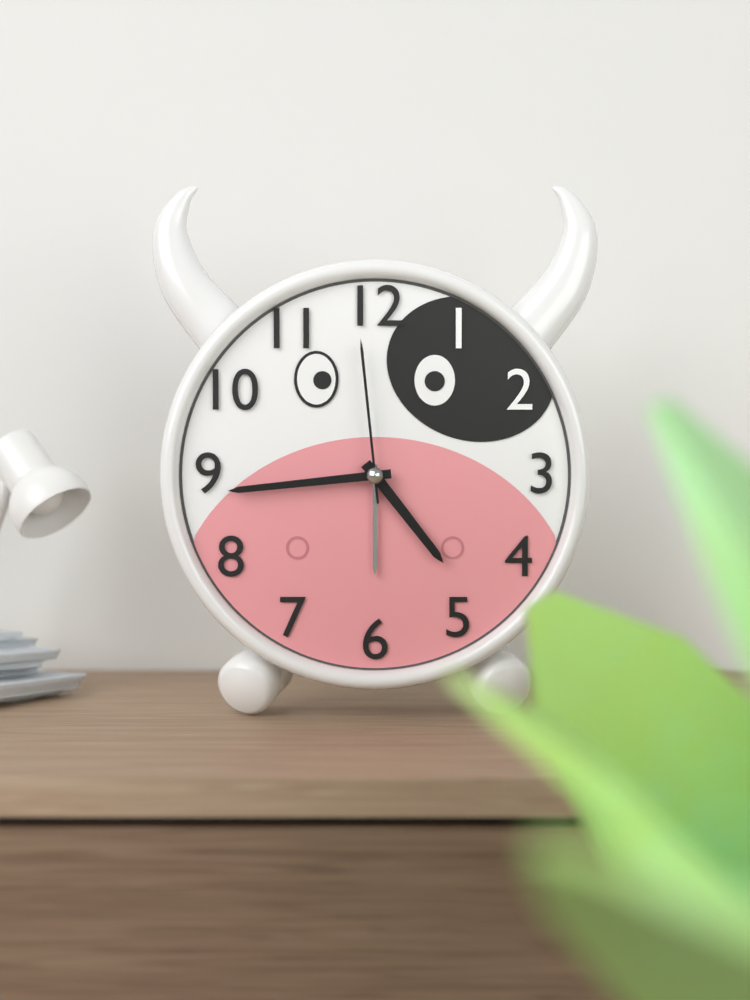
4h44m59s
